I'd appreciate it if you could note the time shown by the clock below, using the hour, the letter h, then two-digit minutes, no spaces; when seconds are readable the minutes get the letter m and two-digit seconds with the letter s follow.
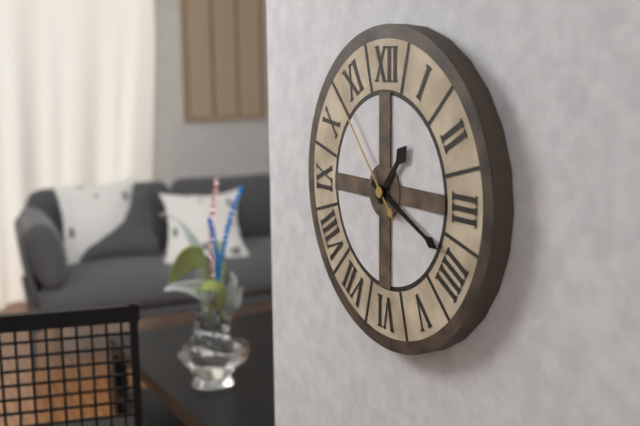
1h19m53s
